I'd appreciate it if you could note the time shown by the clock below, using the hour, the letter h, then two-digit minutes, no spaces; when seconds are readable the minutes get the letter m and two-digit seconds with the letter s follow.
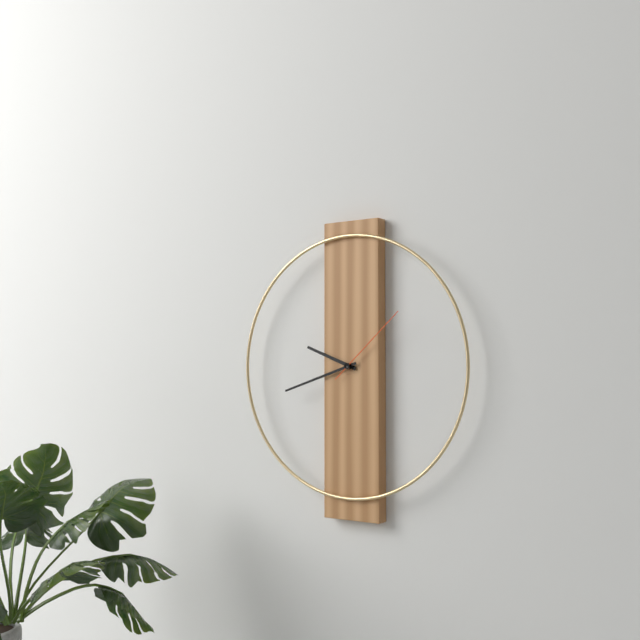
9h42m08s
